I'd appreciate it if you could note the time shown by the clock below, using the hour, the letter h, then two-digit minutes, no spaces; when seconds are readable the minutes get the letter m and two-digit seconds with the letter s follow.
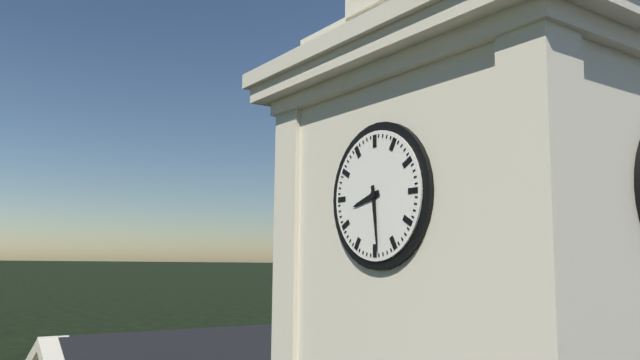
8h29
